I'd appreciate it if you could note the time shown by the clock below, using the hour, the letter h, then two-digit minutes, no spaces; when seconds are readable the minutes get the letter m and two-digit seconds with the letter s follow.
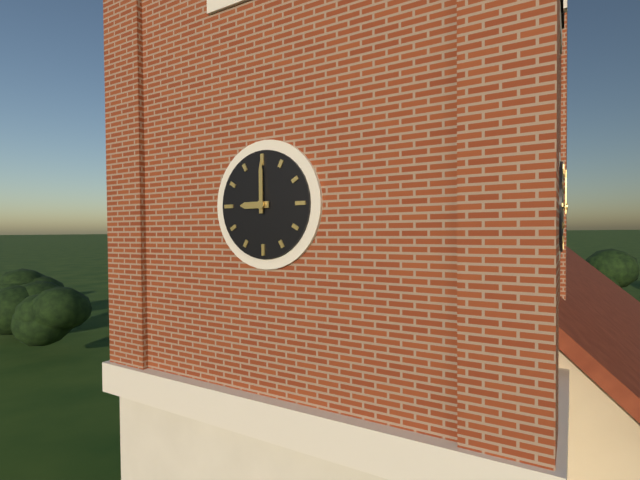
9h00
